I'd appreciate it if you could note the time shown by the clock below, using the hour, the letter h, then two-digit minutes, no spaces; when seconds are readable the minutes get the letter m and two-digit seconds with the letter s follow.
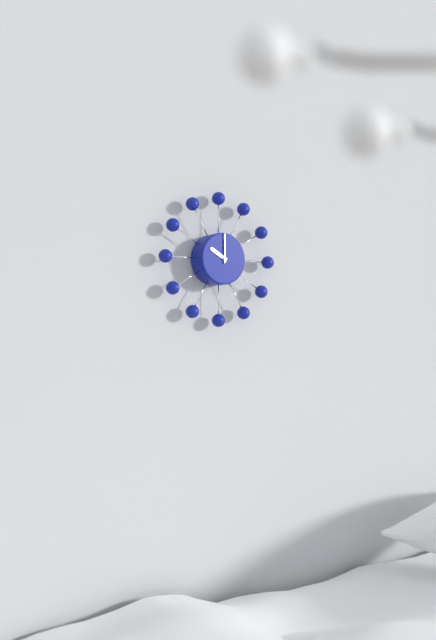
10h00
